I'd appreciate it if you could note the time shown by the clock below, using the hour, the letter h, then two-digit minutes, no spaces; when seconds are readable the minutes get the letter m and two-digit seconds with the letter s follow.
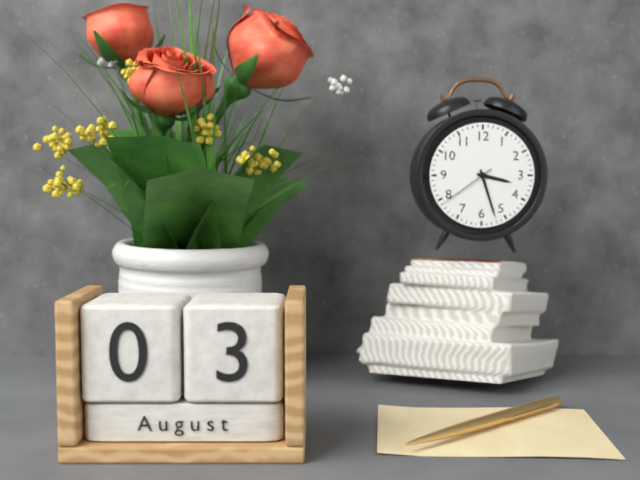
3h27m39s
